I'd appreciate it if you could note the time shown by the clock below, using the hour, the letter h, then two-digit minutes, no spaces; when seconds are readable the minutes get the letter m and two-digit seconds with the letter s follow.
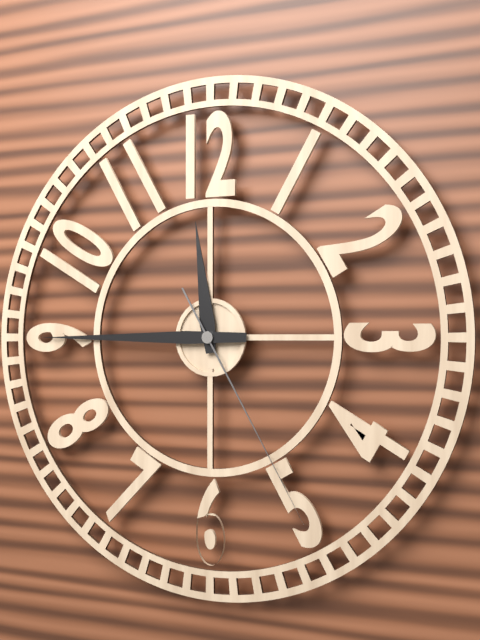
11h45m25s
